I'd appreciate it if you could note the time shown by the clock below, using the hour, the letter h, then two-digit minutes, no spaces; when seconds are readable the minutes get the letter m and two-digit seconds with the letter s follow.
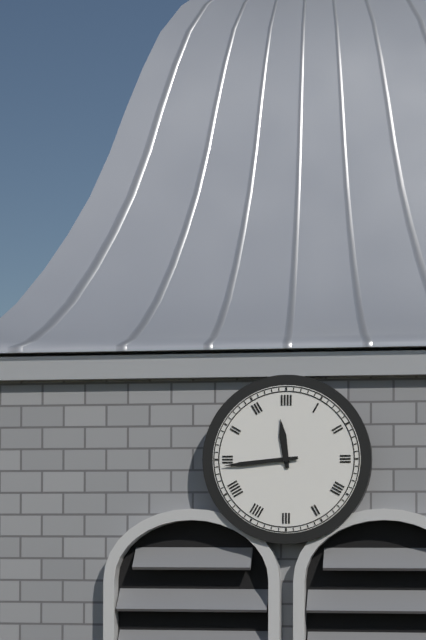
11h44
